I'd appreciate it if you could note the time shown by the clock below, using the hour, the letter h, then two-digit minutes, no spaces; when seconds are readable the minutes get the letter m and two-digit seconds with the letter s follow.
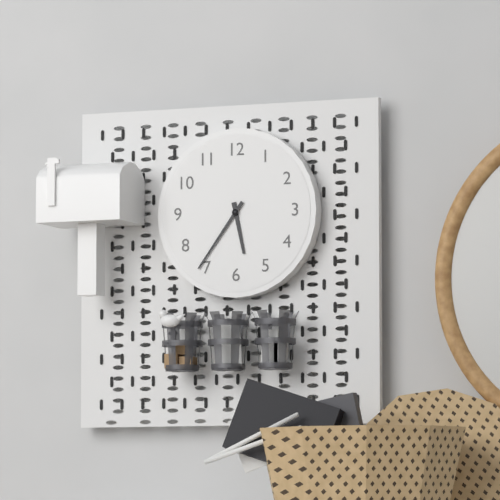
5h36
